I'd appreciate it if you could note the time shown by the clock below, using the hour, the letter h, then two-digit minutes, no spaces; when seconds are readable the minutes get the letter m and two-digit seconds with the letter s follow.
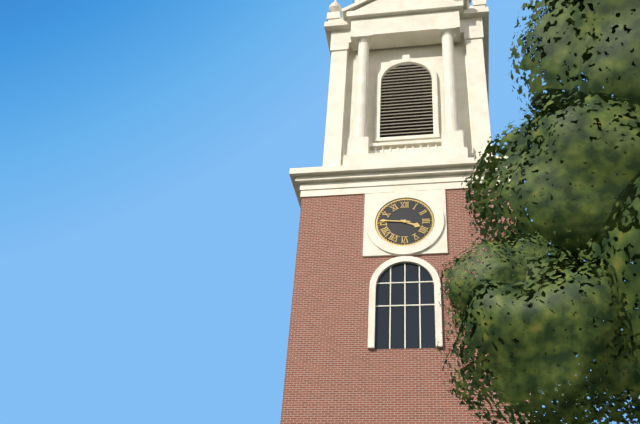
3h46
